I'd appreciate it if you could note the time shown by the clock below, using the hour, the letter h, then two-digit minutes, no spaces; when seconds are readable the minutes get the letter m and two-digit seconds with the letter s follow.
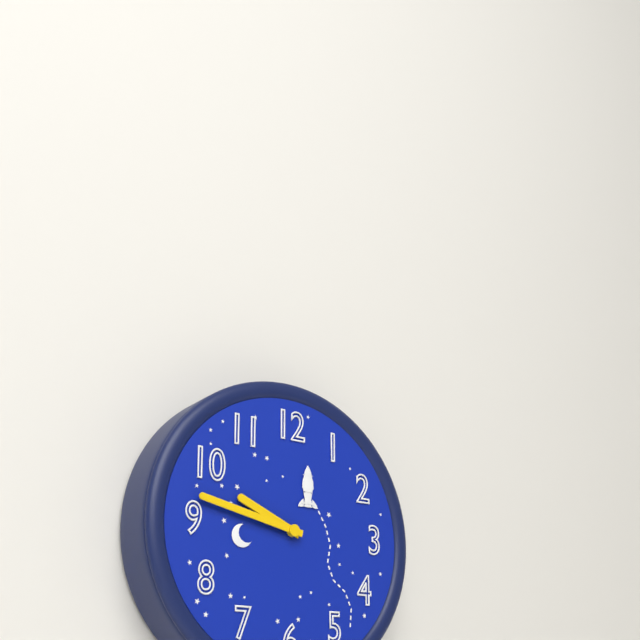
9h47
